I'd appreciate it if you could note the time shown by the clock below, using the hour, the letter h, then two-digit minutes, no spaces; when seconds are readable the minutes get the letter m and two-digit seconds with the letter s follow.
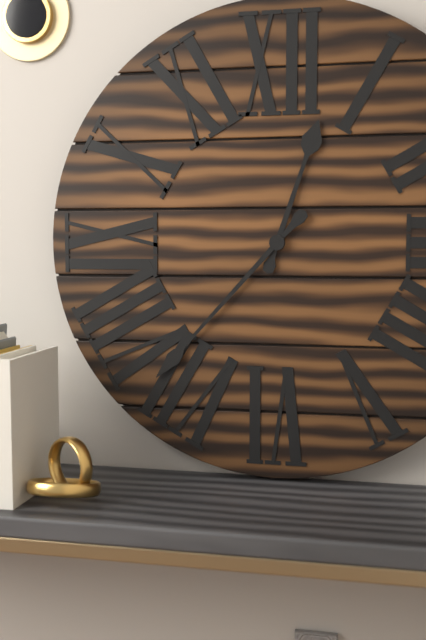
12h37
